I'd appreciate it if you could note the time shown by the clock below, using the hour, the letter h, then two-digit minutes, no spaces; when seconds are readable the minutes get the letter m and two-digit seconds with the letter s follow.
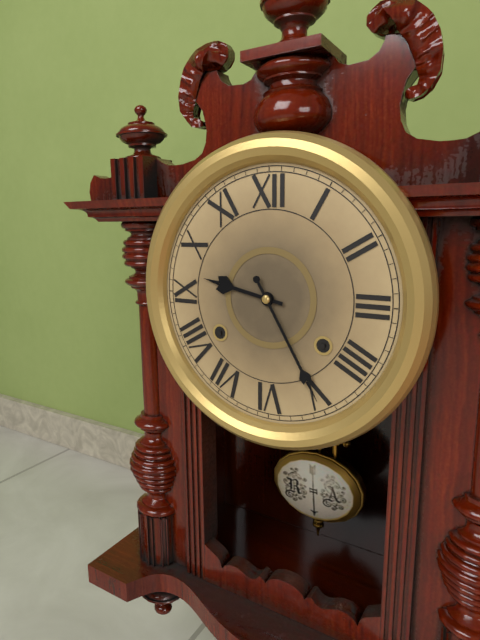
9h25
